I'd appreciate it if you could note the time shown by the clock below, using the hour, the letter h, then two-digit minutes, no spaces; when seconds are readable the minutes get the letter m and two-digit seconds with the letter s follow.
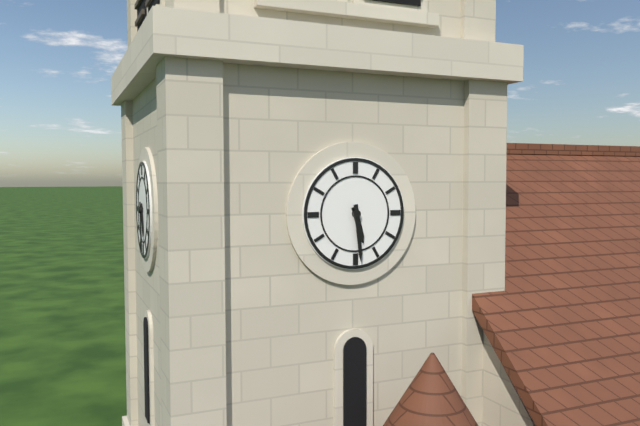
5h29
